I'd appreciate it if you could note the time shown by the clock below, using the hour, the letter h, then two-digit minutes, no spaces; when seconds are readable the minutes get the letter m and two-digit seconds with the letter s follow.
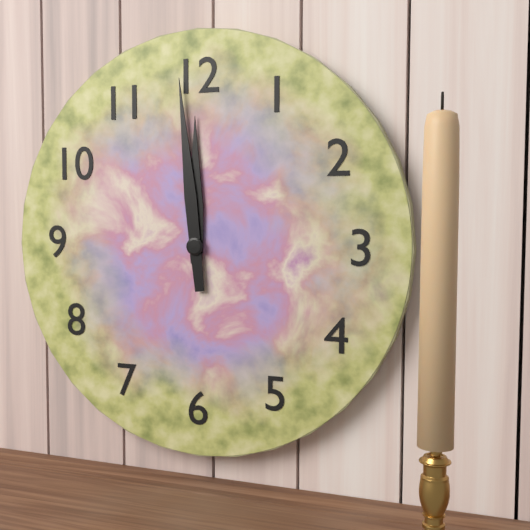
11h59
